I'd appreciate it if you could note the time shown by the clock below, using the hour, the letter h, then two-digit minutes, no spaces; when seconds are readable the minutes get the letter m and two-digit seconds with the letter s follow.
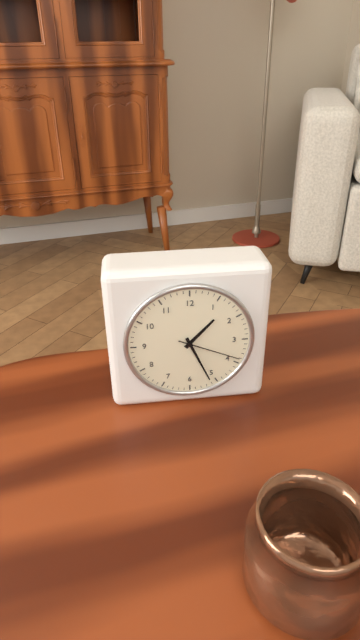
1h26m19s
